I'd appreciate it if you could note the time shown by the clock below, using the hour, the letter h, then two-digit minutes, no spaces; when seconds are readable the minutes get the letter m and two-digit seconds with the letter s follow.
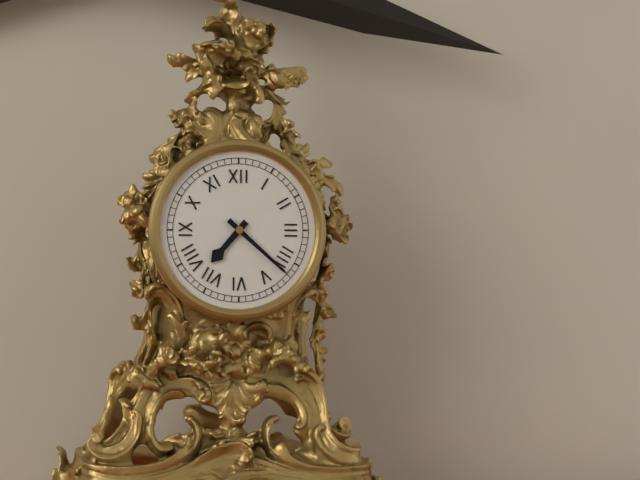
7h22
